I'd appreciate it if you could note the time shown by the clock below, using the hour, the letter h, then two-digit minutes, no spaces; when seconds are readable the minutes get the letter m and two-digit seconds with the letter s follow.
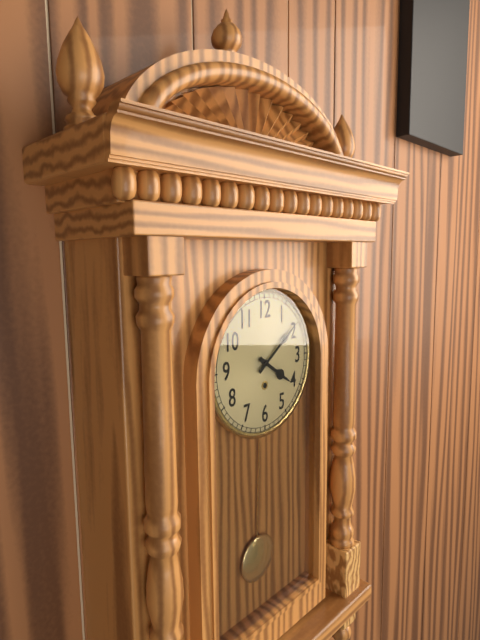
4h09
